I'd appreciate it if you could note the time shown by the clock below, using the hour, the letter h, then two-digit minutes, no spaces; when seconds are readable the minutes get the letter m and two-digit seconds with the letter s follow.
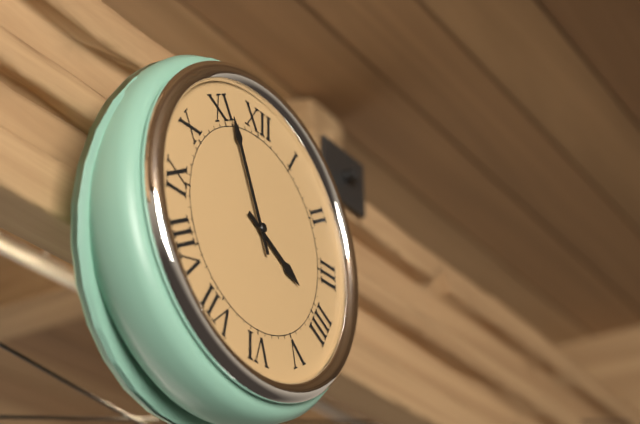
3h56
